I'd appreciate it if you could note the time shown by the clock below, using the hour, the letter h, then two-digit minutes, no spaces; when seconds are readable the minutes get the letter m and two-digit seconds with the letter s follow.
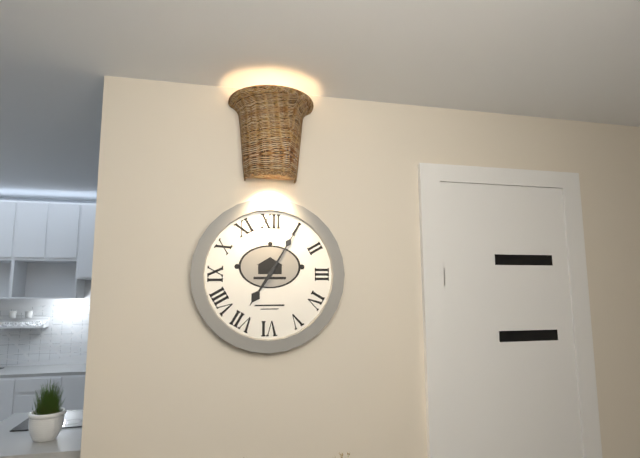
7h05
